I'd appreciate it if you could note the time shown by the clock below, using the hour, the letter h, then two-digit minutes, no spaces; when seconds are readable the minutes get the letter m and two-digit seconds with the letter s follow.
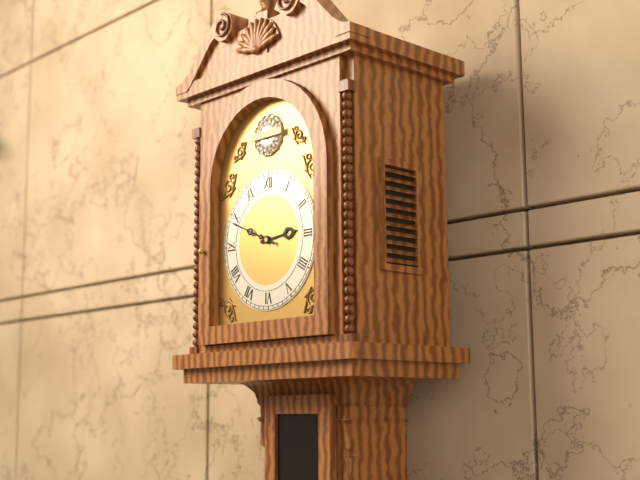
2h49
